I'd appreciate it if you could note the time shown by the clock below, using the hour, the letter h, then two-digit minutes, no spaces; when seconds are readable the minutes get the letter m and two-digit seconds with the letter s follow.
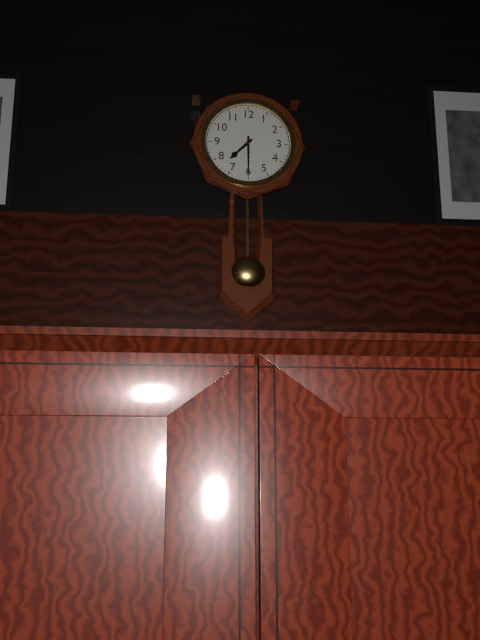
7h30
